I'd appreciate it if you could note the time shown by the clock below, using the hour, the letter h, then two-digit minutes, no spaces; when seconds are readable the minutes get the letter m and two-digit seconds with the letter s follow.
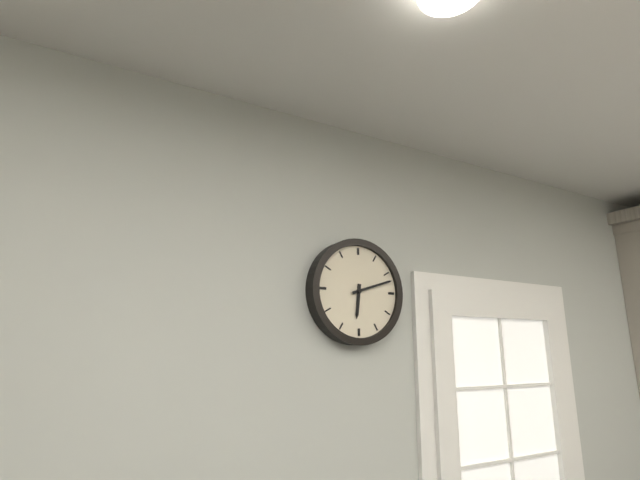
6h12
